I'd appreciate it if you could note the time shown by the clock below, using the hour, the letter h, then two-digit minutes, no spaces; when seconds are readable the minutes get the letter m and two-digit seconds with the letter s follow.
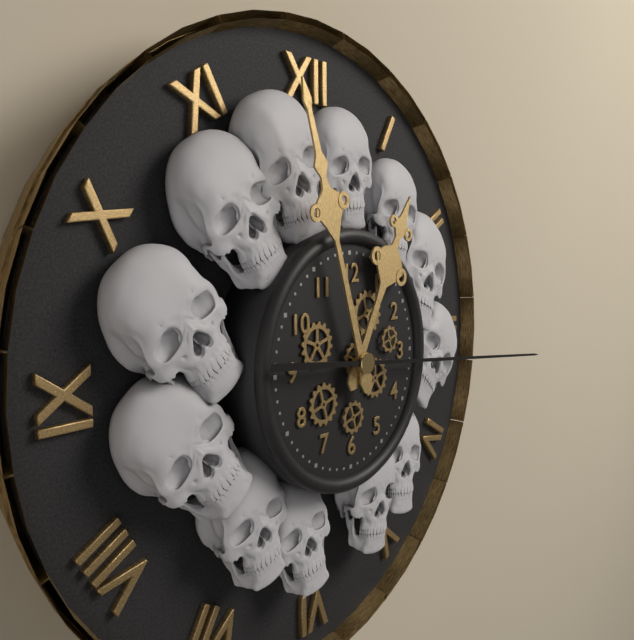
12h57m16s
